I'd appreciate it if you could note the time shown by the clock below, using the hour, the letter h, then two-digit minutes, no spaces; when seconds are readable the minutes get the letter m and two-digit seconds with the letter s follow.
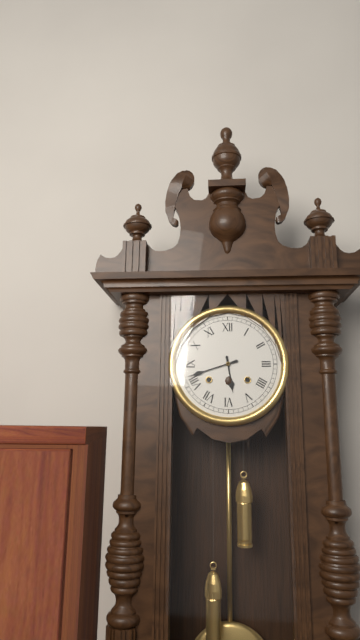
5h42
